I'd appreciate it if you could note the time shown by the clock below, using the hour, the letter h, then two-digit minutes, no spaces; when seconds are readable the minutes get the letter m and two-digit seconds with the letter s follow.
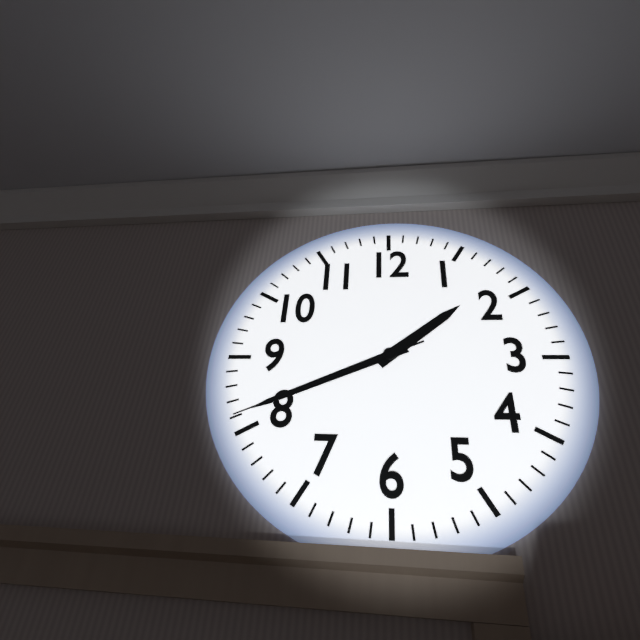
1h41m41s
